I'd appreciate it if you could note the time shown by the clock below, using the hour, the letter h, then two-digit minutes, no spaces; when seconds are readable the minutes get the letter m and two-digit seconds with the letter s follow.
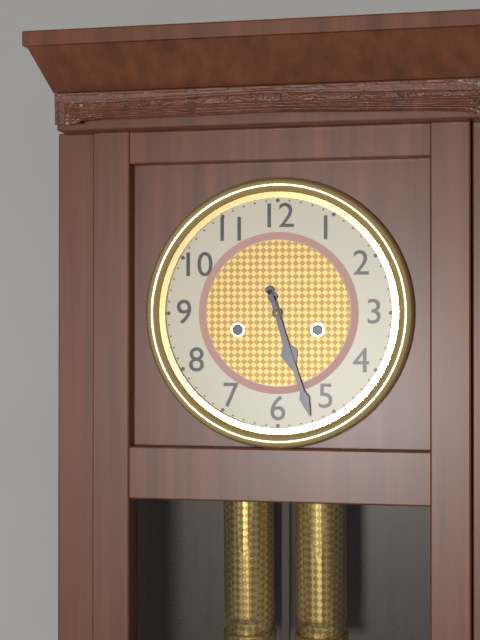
5h27
